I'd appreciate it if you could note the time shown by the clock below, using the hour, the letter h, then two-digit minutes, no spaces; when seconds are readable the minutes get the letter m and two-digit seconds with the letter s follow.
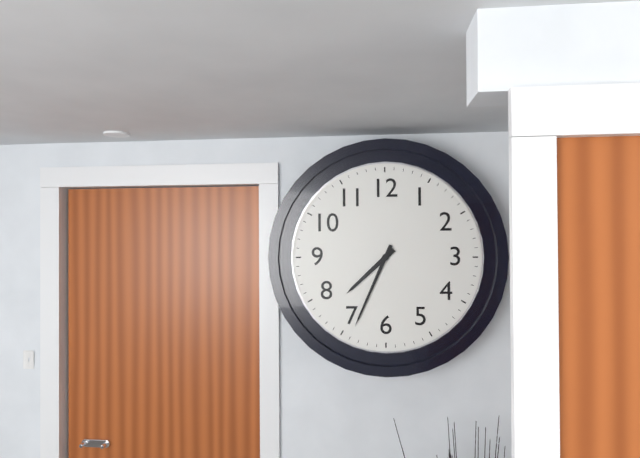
7h34
